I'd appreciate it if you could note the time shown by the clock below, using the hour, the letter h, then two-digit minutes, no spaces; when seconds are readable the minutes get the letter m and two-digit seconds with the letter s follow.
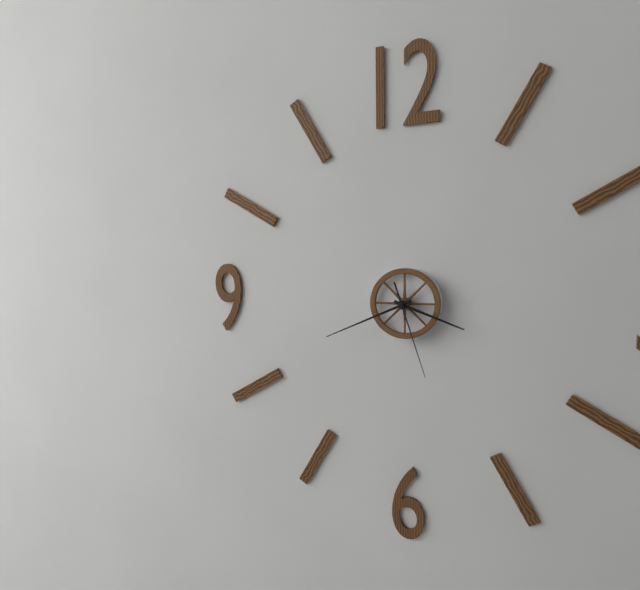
3h41m27s
